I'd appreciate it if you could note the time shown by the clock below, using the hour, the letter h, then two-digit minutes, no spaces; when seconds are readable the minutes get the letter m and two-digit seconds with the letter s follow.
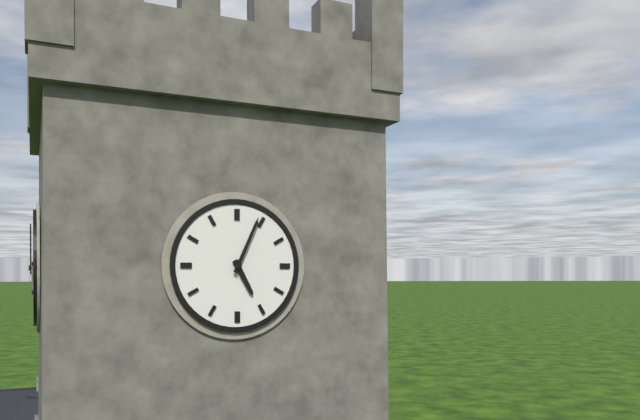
5h04
